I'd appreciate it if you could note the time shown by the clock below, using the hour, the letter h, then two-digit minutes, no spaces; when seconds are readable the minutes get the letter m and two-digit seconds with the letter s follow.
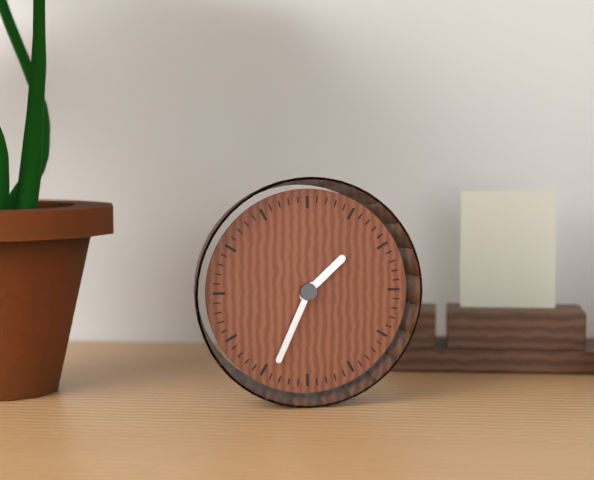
1h34
